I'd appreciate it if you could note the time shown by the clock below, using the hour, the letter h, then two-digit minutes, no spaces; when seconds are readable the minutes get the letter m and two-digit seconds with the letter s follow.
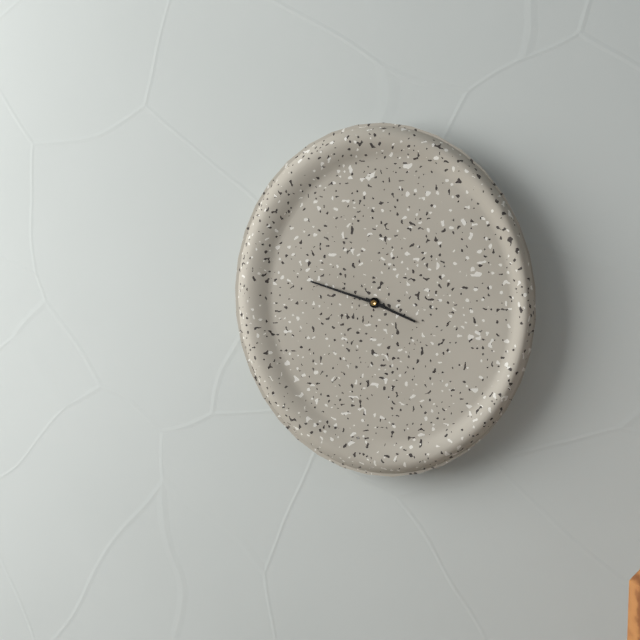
3h48
